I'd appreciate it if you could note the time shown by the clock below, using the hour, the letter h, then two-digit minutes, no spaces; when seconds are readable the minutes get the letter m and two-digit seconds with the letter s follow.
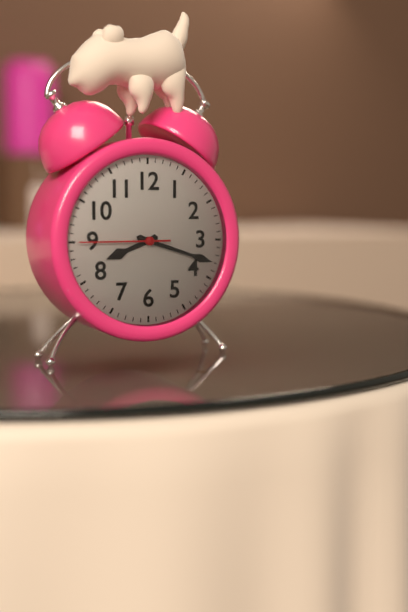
8h18m45s
